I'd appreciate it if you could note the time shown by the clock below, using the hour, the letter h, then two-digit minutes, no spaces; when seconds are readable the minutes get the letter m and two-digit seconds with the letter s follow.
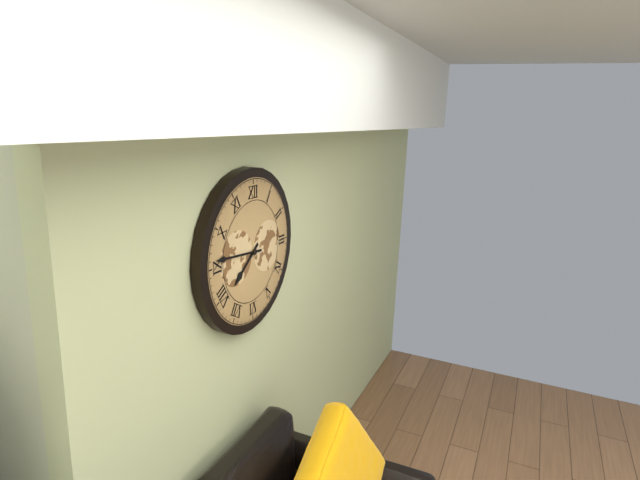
7h46
